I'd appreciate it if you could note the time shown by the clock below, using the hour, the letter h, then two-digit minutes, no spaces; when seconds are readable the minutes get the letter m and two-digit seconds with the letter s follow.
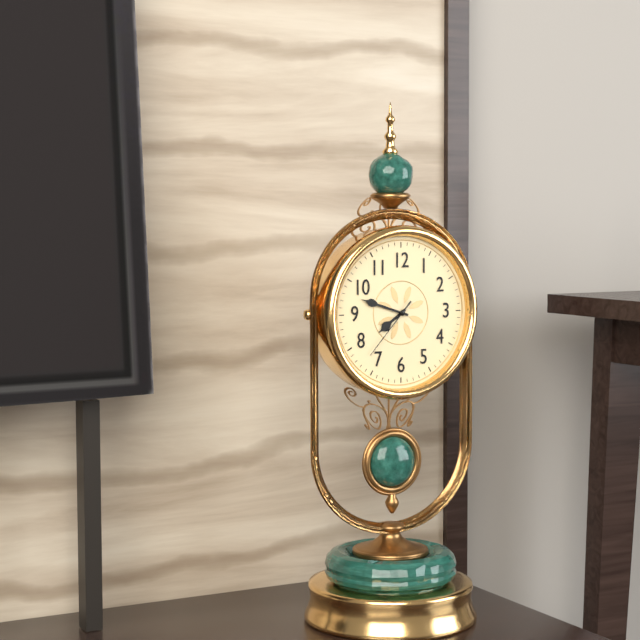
7h48m37s
